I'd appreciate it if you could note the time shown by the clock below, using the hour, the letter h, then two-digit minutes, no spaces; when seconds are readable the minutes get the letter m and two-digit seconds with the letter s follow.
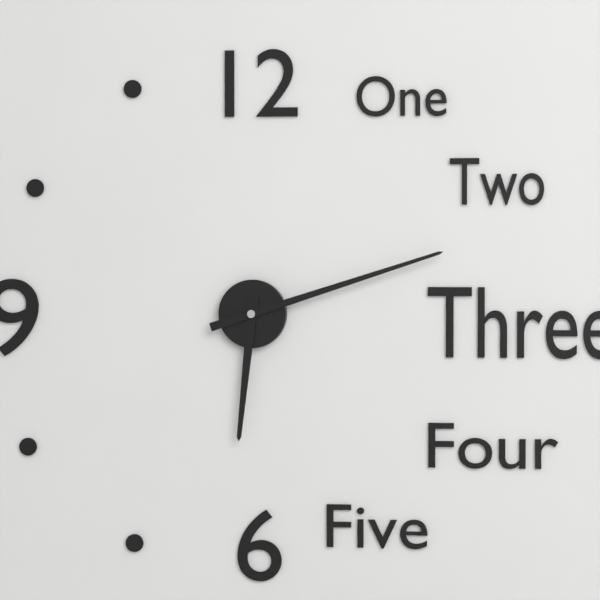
6h12
